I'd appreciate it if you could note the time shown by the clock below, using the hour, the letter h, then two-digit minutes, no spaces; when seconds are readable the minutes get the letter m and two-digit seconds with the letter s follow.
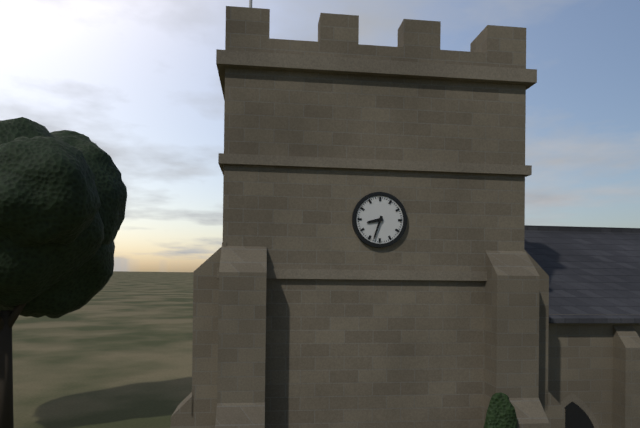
8h33
